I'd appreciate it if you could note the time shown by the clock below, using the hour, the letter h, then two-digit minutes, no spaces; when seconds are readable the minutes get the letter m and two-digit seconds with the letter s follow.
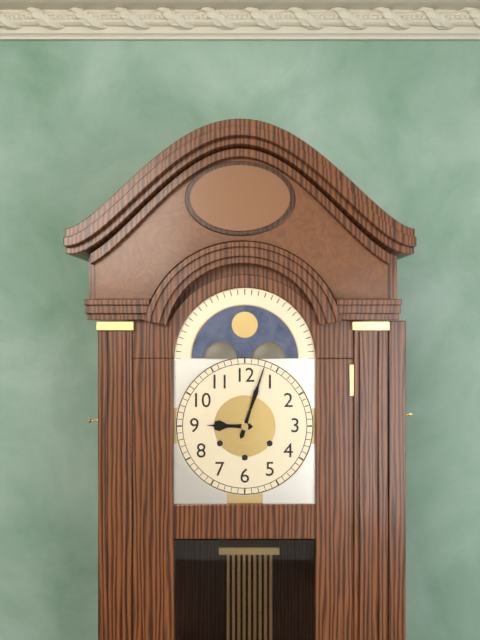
9h03
